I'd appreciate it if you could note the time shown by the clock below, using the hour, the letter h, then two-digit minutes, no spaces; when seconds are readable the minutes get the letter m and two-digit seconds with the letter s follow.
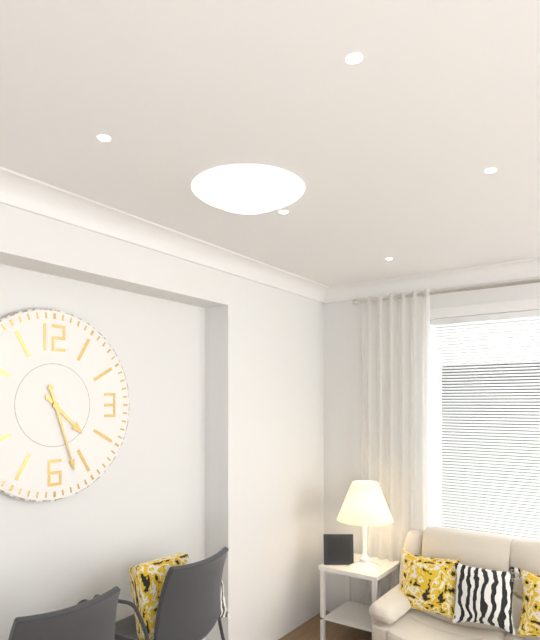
4h27
